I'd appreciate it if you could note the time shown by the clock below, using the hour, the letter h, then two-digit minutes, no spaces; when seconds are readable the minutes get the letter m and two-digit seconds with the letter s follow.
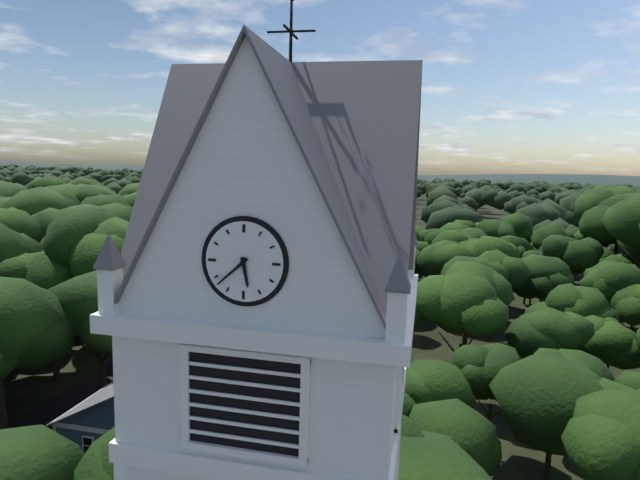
5h38
